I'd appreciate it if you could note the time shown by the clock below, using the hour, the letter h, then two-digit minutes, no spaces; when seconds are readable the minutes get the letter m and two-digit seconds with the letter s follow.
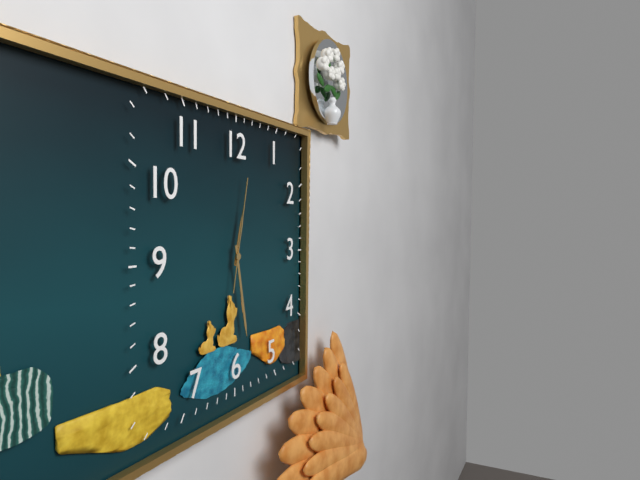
12h28m02s
